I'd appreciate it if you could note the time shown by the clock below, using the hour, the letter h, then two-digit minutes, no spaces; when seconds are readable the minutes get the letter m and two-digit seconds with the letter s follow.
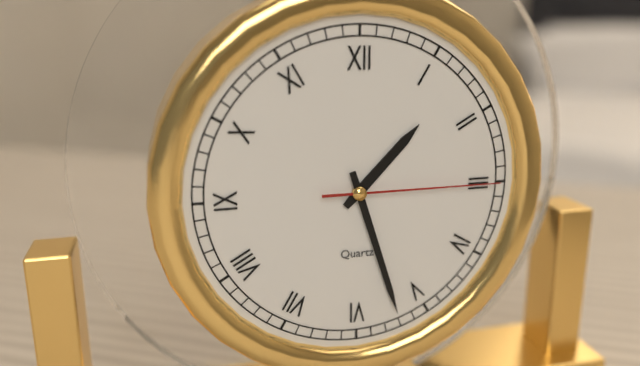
1h27m15s
